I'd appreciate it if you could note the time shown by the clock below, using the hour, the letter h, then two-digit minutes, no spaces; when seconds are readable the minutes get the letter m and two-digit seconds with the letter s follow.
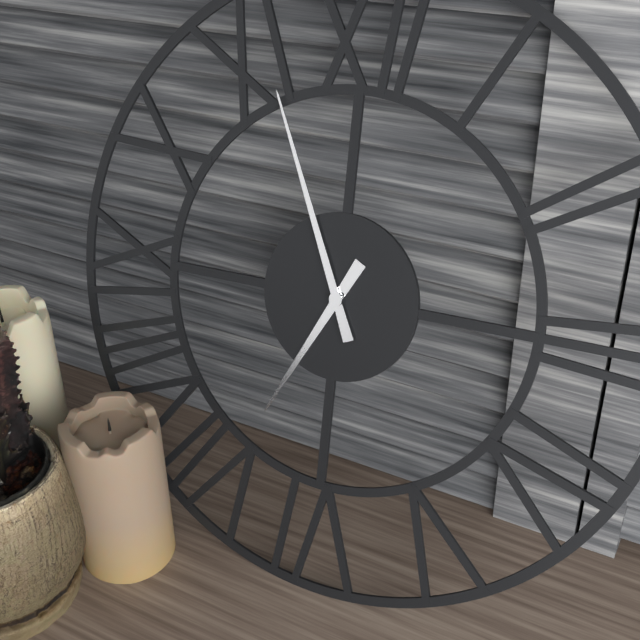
6h56
